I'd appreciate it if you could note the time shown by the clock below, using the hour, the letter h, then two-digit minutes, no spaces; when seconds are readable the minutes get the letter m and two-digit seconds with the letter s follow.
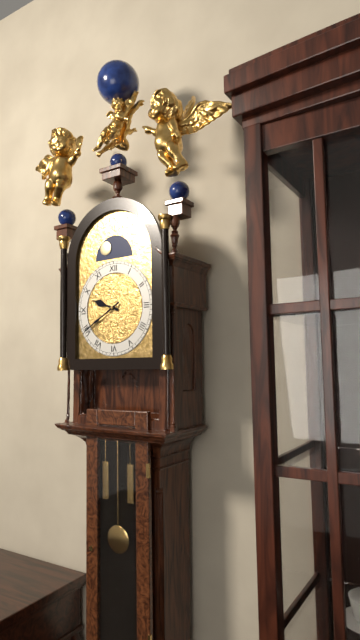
9h40
